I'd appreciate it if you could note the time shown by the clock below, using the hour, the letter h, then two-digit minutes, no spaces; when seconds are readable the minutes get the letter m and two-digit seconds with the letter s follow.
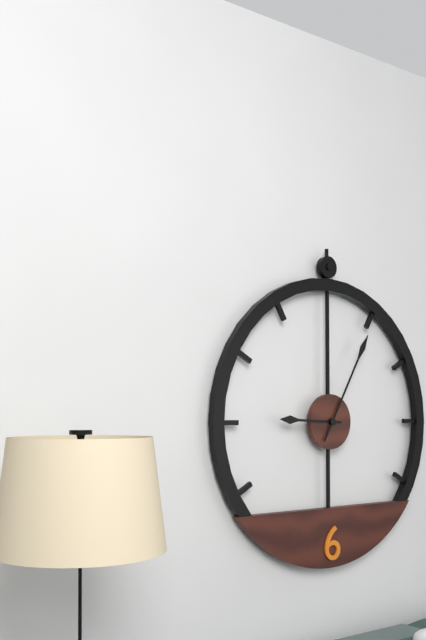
9h05
